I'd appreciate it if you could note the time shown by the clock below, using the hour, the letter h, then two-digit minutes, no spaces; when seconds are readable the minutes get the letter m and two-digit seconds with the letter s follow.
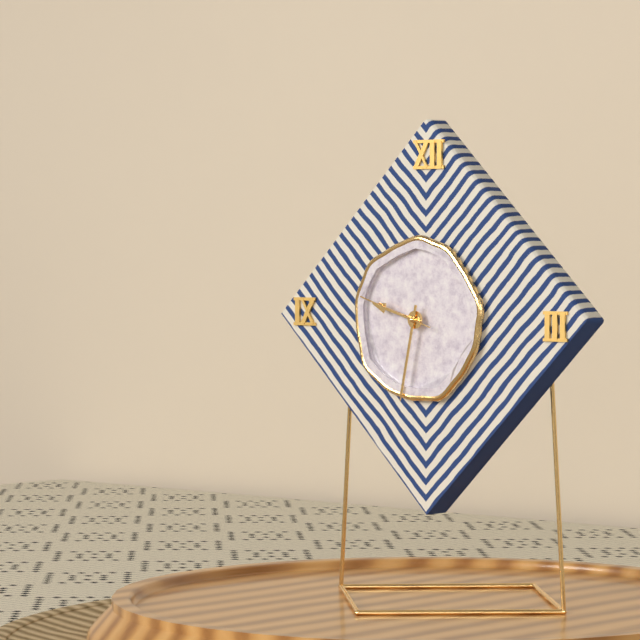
9h32m48s
